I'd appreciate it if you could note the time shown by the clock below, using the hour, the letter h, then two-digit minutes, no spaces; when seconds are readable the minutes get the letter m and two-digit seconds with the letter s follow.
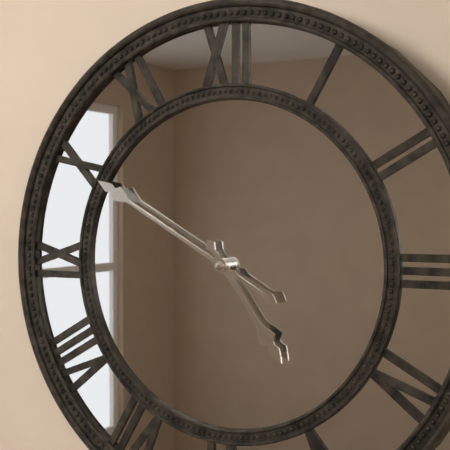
4h50
